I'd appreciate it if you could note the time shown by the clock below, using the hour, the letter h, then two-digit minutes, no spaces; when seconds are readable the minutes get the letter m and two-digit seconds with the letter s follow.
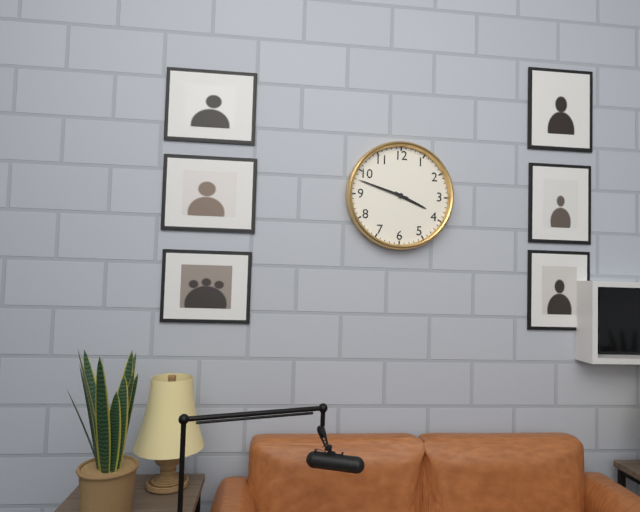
3h48
